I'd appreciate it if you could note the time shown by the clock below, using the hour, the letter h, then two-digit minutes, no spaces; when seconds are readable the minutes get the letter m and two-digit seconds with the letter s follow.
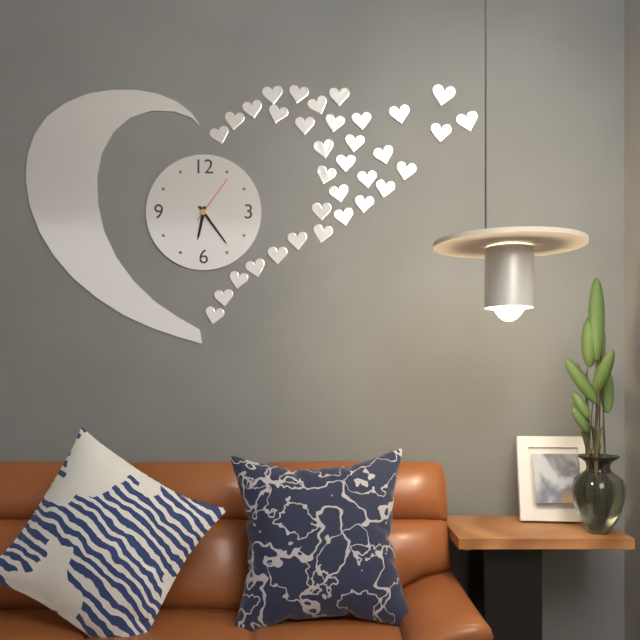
6h24m06s
